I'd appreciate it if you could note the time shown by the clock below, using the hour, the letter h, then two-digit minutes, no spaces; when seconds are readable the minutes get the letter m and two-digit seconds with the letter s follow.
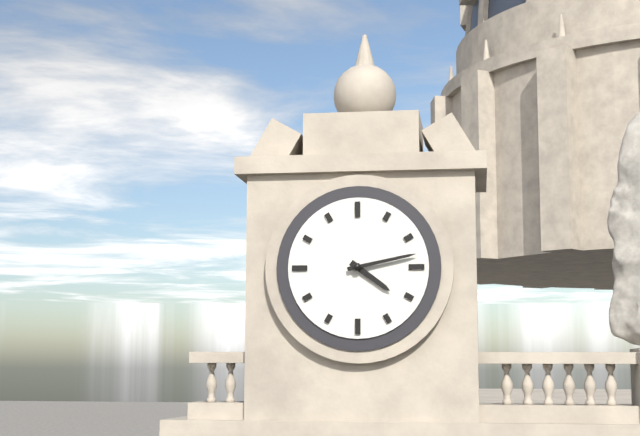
4h13
